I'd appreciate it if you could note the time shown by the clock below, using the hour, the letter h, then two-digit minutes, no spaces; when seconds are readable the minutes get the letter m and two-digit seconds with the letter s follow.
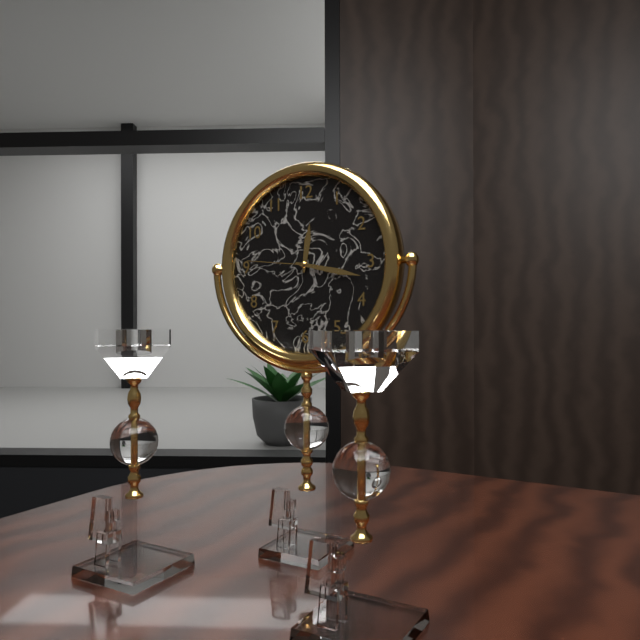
12h17m46s
